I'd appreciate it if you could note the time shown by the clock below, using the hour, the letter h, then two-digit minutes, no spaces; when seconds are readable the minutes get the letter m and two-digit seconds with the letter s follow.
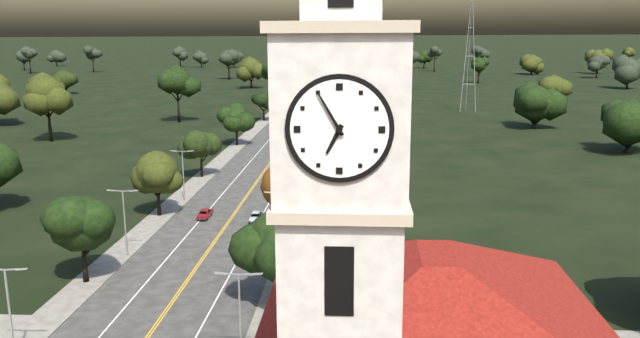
6h55
